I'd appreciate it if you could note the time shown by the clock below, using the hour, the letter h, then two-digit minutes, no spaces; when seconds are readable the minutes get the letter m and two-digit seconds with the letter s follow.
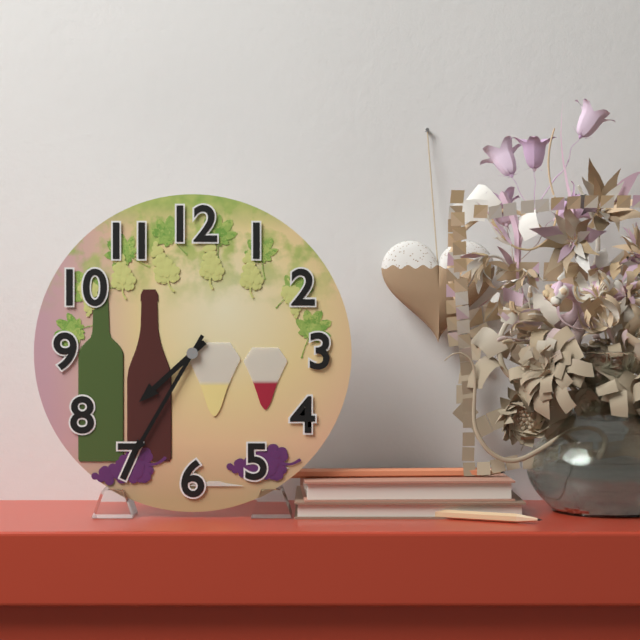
7h35
